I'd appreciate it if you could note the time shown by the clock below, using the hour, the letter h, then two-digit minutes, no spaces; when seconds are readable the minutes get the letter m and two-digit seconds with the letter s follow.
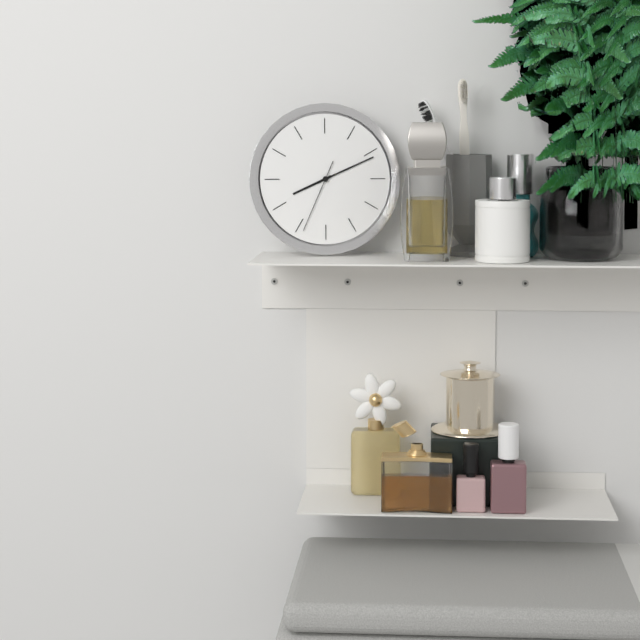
8h11m34s
